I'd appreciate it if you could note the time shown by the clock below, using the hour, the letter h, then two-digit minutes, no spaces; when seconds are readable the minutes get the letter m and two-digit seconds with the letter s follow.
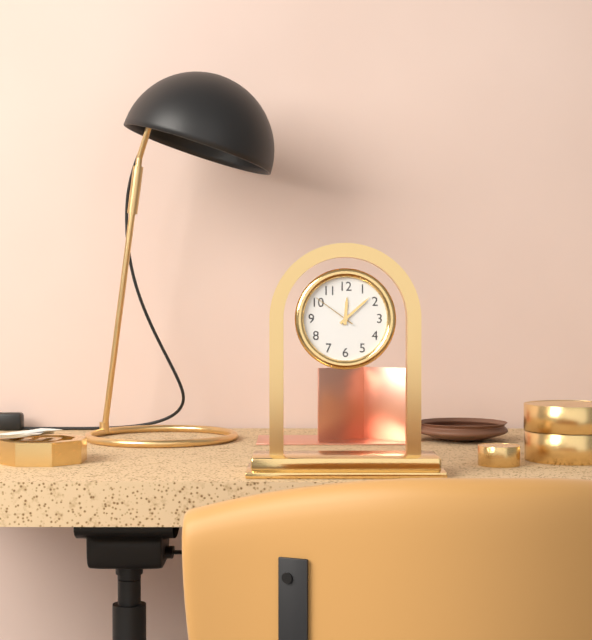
12h08
